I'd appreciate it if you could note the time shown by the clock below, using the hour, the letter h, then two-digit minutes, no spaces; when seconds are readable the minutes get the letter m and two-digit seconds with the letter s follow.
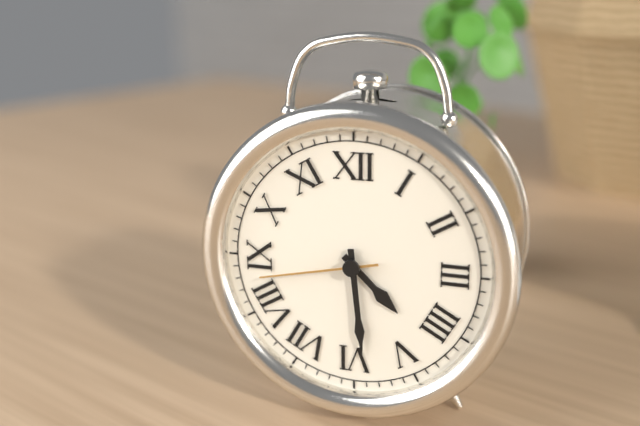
4h29m43s
